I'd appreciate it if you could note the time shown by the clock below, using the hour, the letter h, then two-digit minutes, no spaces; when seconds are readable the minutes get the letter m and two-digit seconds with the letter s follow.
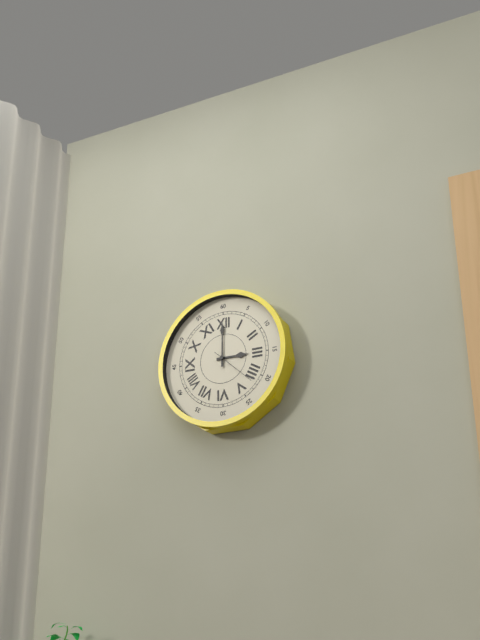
3h00
